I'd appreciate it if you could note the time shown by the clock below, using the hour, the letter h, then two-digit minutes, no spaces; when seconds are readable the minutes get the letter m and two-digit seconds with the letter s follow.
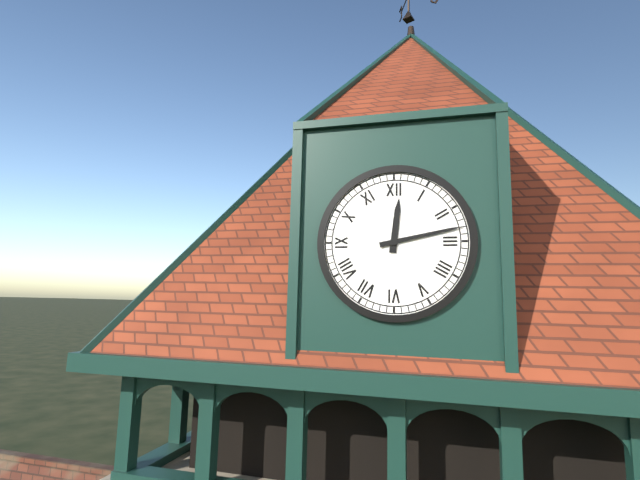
12h13
